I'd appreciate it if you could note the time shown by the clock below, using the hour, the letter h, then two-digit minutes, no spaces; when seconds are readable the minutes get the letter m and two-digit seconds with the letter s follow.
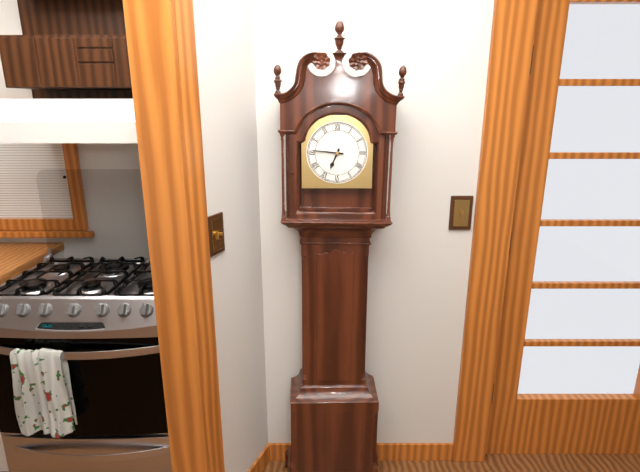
6h46
